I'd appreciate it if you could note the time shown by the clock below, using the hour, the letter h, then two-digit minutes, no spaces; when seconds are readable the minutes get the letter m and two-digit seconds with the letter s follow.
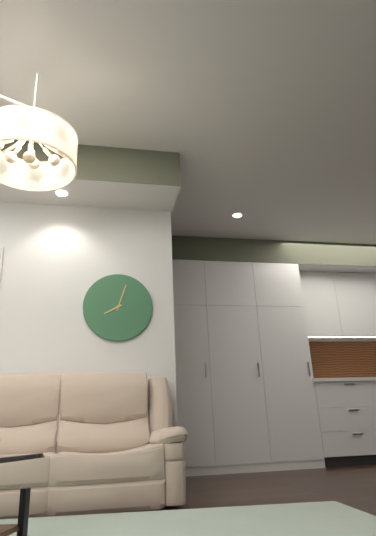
8h03
